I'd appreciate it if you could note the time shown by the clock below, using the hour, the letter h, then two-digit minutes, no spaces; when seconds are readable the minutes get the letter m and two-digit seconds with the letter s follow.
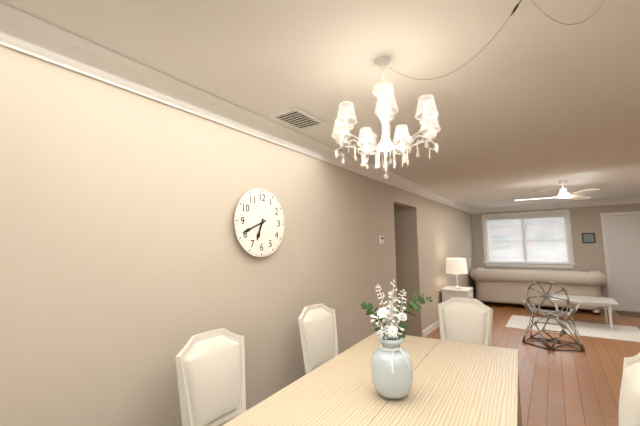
6h41
